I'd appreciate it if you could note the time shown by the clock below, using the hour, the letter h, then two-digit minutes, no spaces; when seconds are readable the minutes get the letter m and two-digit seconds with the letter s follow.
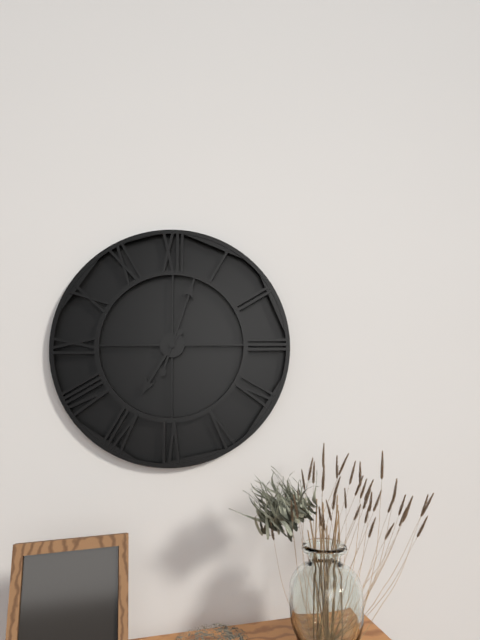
7h03
